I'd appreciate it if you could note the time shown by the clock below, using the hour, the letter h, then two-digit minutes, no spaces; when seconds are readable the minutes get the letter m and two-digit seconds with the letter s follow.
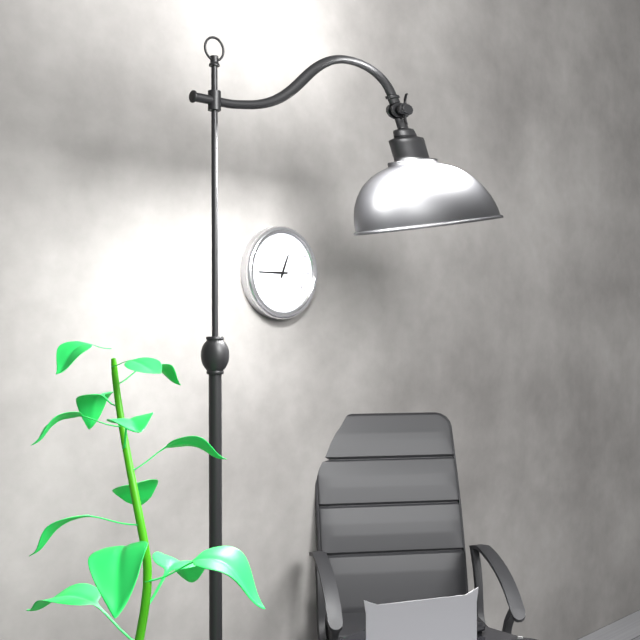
12h45
